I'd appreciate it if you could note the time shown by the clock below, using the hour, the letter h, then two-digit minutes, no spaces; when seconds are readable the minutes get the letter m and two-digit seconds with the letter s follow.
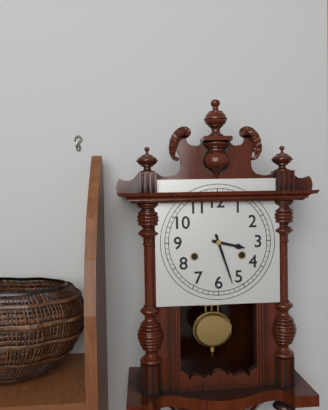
3h27
